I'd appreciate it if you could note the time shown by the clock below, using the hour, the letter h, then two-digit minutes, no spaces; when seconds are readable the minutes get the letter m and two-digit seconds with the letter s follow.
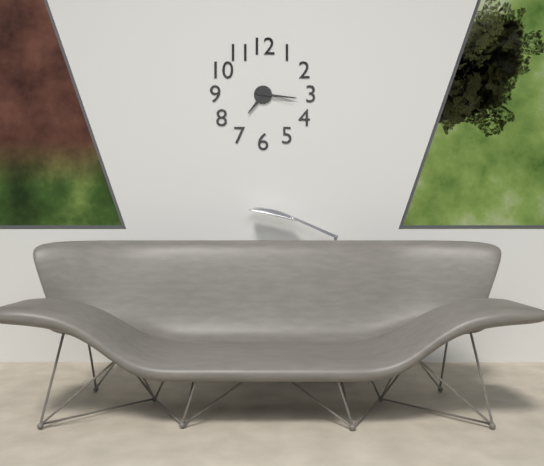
7h16
